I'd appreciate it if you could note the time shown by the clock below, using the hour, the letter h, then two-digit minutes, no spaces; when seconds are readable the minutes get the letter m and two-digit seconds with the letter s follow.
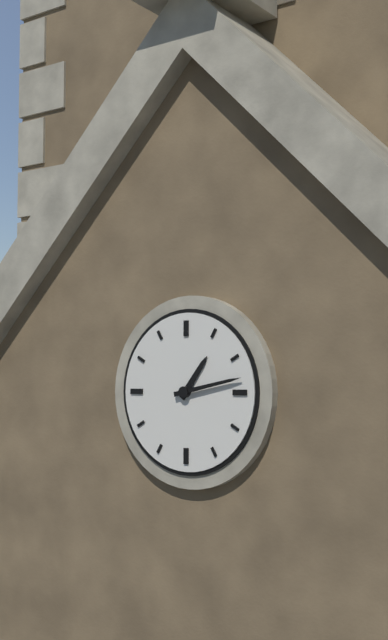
1h13
